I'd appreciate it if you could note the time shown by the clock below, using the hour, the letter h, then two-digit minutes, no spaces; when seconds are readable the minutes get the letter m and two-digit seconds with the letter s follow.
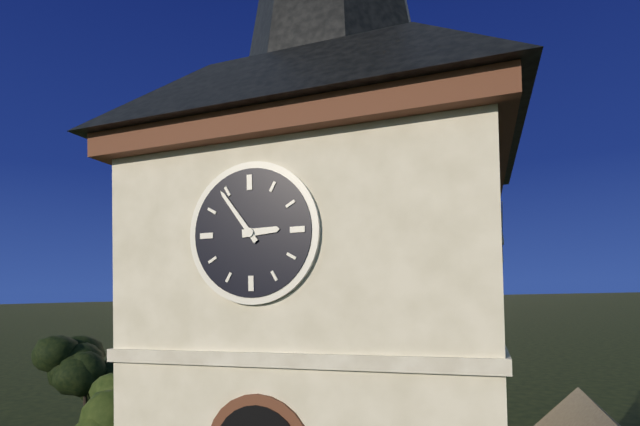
2h54
